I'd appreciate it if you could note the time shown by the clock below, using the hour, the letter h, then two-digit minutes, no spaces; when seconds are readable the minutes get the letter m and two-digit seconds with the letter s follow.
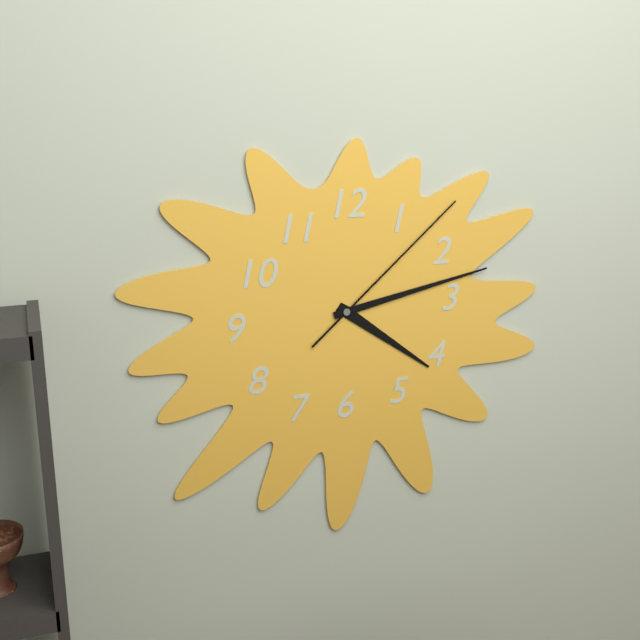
4h13m08s
